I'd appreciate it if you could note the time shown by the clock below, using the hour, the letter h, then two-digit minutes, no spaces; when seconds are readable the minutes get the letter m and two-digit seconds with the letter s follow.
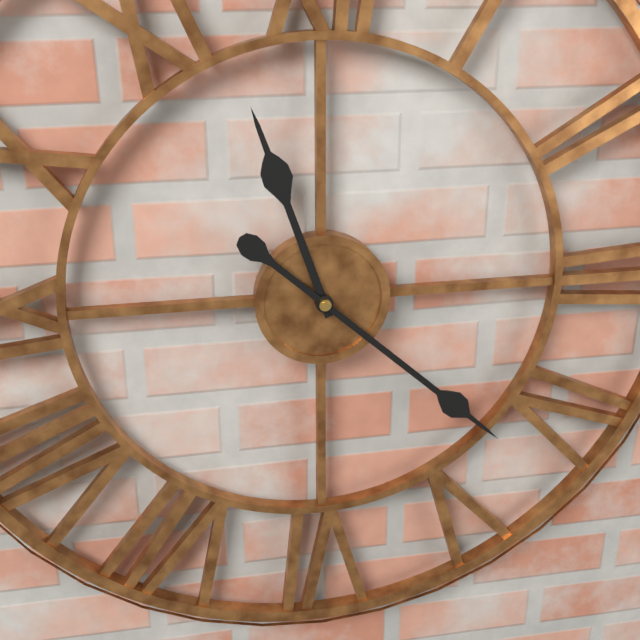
11h22
